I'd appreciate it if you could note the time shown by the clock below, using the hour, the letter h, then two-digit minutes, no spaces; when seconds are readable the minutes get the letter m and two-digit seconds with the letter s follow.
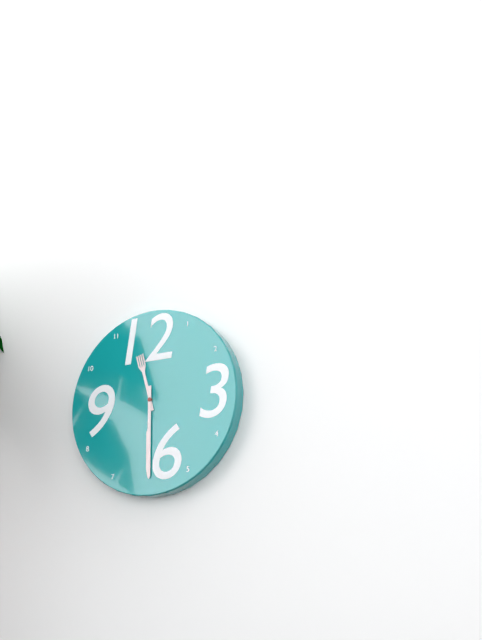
11h30
